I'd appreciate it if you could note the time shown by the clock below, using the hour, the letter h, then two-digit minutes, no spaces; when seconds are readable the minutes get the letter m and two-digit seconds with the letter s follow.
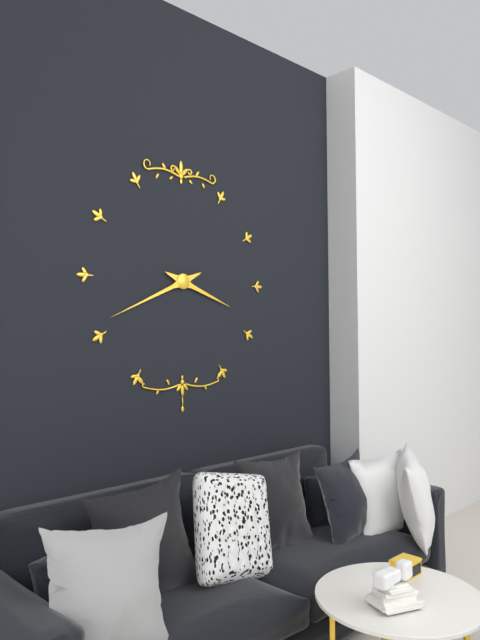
3h41
